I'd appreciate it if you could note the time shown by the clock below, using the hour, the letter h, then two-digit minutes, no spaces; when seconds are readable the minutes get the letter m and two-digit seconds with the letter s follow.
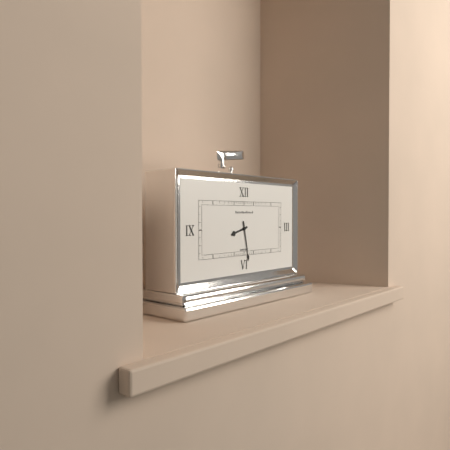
8h28
